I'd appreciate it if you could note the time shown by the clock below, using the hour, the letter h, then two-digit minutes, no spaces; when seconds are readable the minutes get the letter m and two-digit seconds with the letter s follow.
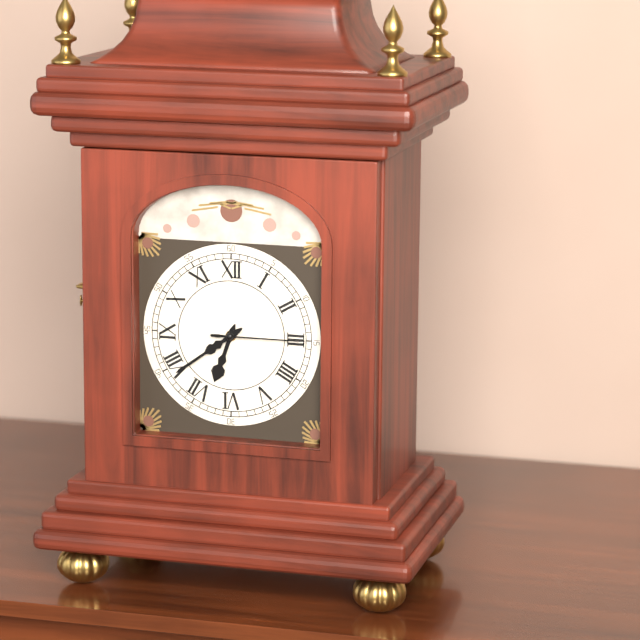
6h39m15s
